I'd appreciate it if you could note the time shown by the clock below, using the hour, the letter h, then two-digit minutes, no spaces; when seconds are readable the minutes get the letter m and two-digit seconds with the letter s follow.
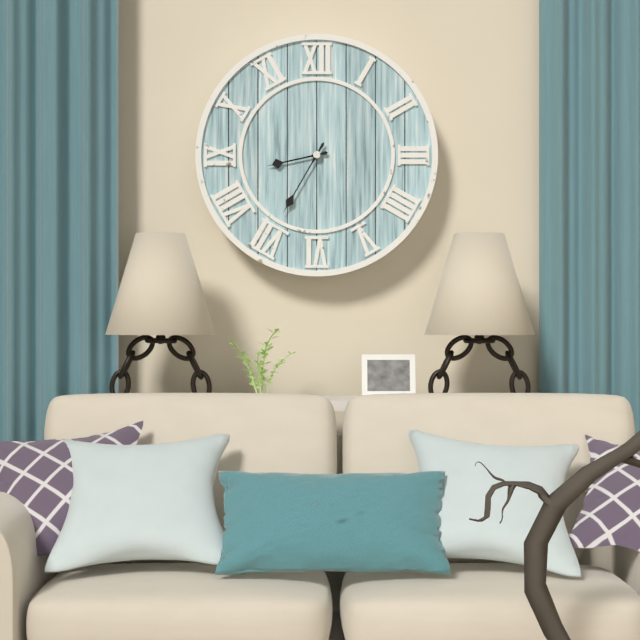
8h35
